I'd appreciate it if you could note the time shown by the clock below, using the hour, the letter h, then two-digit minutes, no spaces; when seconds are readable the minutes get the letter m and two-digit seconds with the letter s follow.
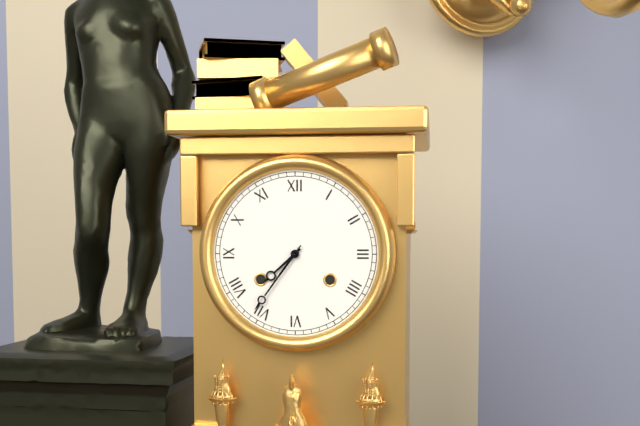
7h36
